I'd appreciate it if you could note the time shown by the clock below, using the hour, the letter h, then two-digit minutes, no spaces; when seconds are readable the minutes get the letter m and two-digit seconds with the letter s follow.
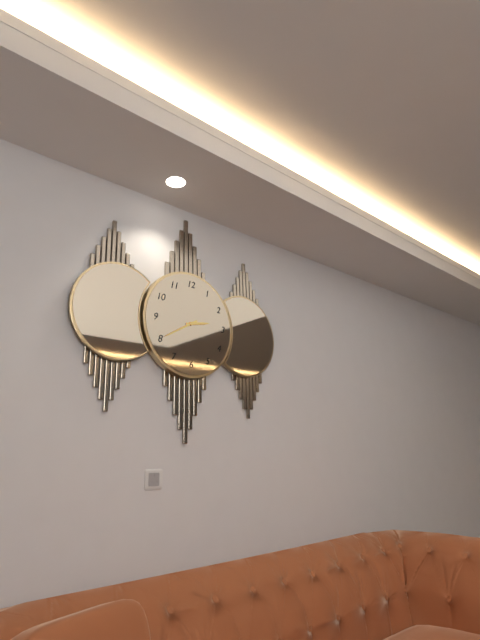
2h40
